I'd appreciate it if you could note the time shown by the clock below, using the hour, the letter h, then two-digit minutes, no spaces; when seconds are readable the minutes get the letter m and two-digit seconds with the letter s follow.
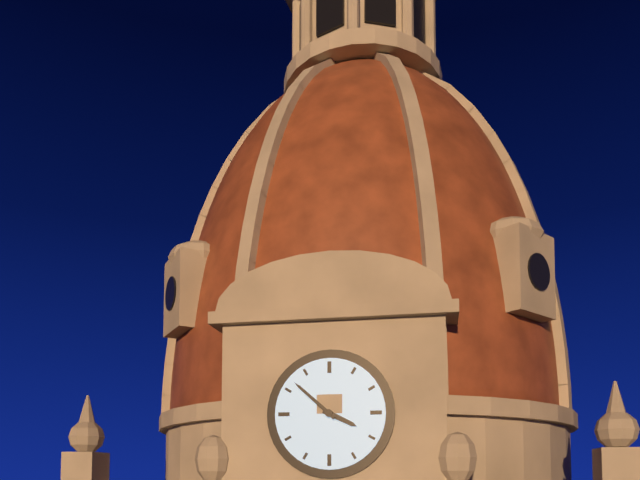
3h52
